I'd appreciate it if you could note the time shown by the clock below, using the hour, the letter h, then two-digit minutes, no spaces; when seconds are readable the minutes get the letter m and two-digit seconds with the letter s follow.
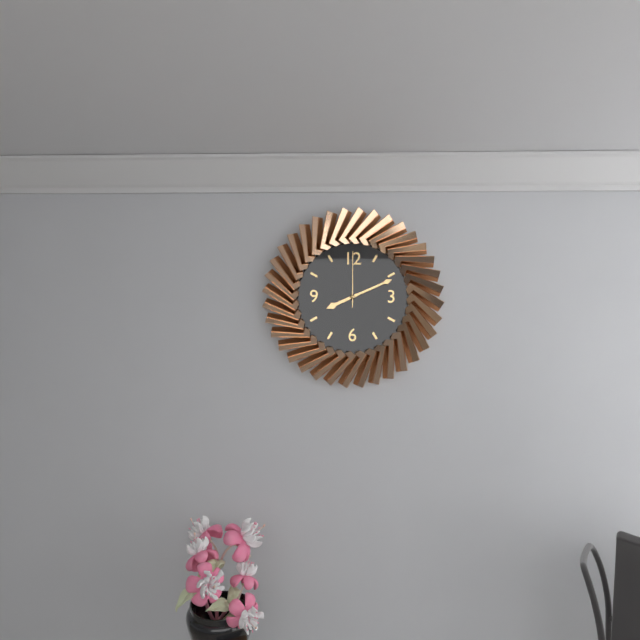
8h11m00s
